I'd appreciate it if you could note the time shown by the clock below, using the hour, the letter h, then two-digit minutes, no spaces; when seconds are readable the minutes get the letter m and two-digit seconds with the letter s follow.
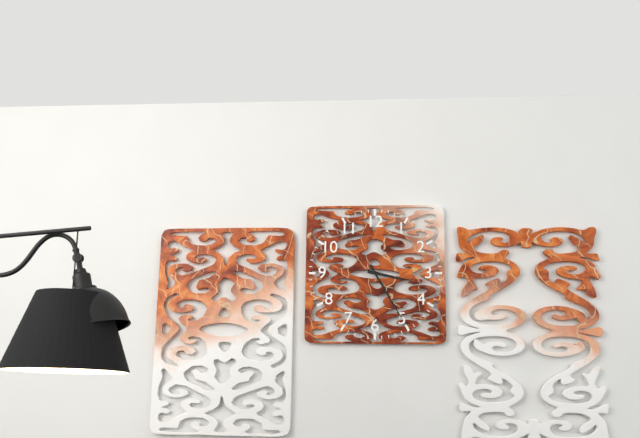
3h25
